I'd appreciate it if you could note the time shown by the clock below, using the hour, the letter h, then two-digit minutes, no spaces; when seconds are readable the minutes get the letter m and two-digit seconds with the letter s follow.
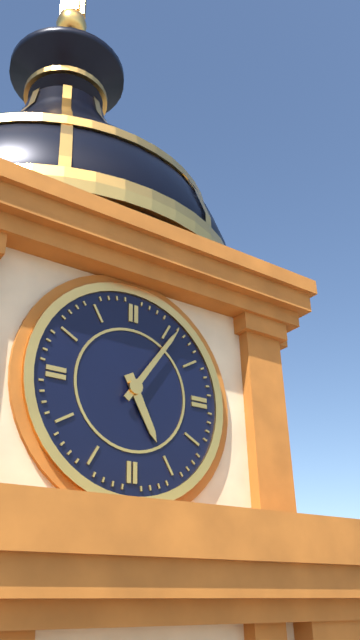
5h06
